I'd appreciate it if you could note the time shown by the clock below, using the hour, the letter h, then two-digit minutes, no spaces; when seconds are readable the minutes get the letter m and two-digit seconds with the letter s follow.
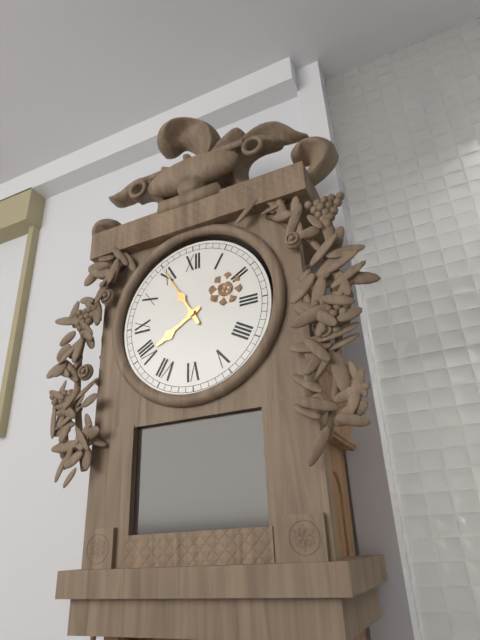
7h55
